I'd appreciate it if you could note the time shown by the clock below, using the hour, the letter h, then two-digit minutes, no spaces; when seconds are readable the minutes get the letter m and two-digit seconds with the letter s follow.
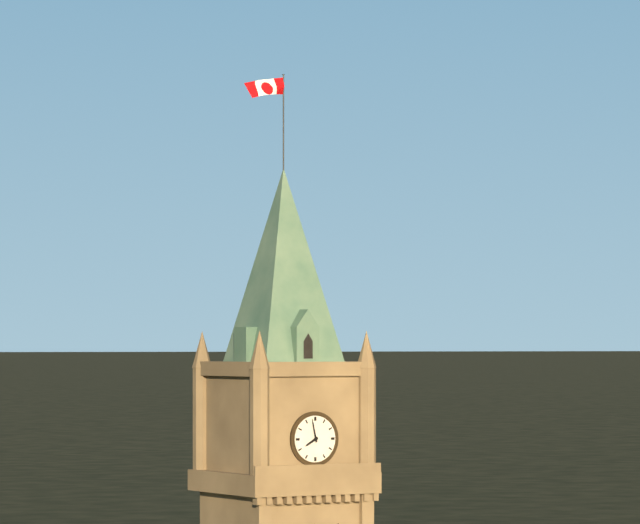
7h58
